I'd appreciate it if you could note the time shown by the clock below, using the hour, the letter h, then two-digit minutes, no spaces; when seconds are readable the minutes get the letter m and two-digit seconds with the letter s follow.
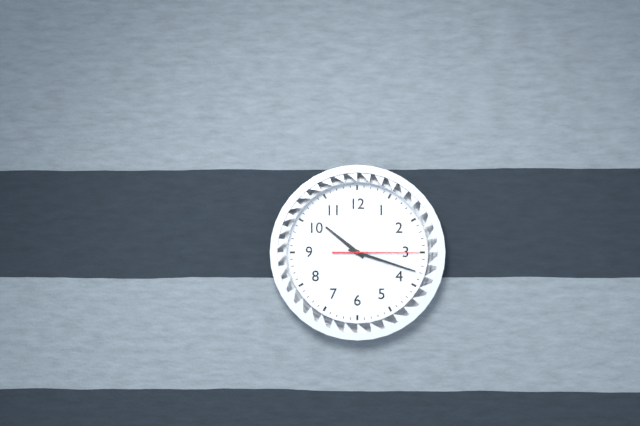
10h18m15s
